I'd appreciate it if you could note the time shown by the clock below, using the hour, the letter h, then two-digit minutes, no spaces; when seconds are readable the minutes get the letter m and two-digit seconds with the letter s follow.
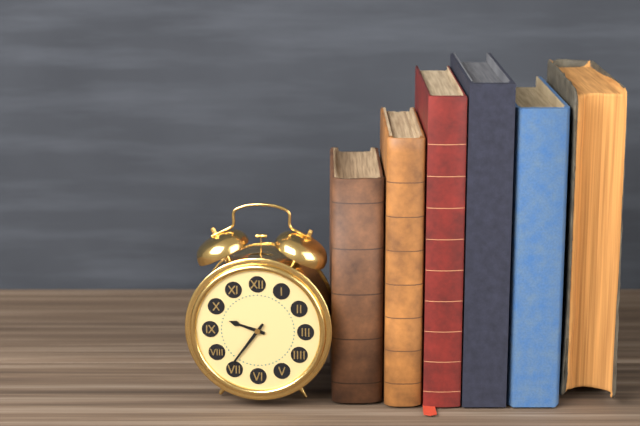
9h36
